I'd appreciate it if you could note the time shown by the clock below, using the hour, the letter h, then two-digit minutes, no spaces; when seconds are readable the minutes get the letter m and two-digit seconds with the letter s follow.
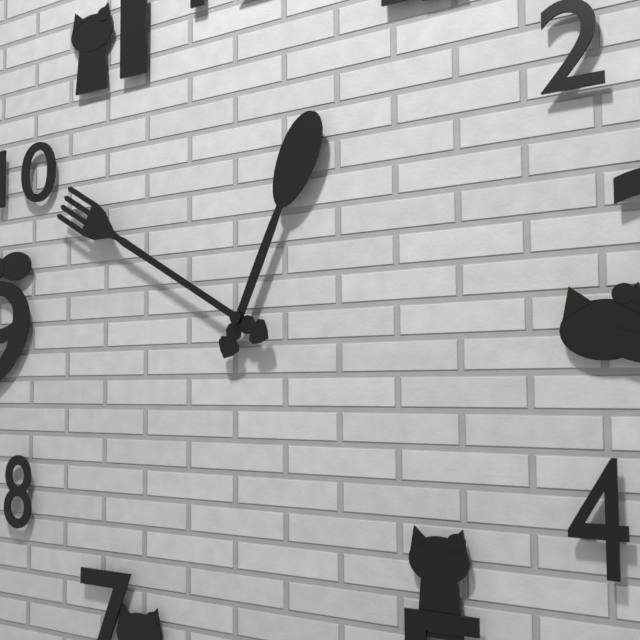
12h50
